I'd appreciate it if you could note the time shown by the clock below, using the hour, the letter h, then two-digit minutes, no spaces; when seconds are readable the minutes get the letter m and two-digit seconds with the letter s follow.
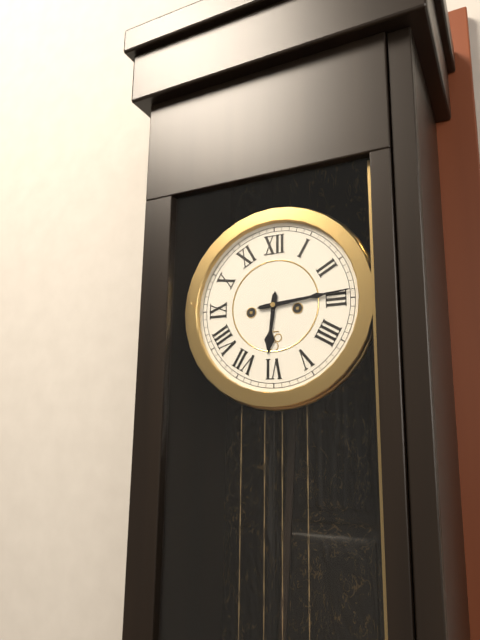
6h14
